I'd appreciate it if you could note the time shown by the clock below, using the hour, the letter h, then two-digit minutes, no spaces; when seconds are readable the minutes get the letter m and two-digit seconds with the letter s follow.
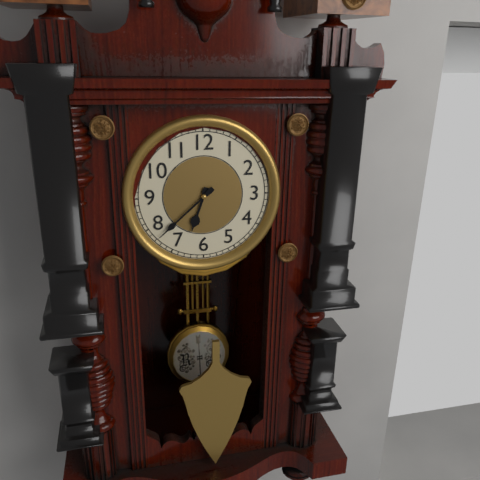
6h38
